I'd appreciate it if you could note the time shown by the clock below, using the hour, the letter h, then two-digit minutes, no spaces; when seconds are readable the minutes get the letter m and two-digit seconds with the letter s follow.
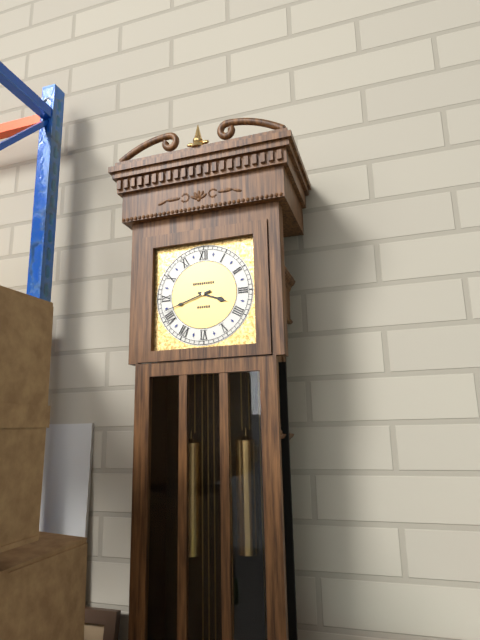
3h42
